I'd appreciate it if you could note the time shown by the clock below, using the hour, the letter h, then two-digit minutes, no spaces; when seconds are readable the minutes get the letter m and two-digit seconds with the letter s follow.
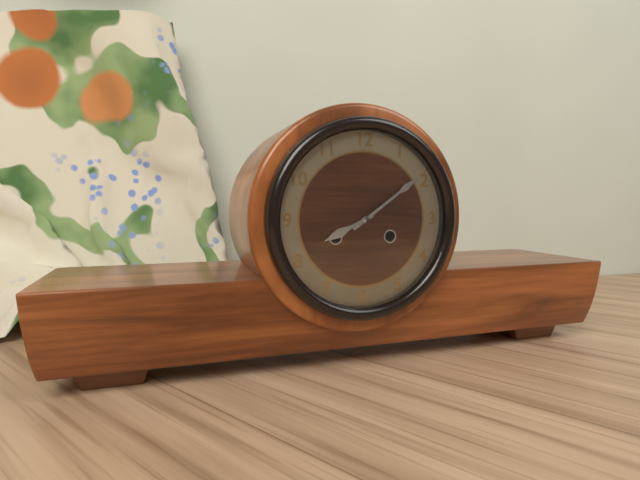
8h09
